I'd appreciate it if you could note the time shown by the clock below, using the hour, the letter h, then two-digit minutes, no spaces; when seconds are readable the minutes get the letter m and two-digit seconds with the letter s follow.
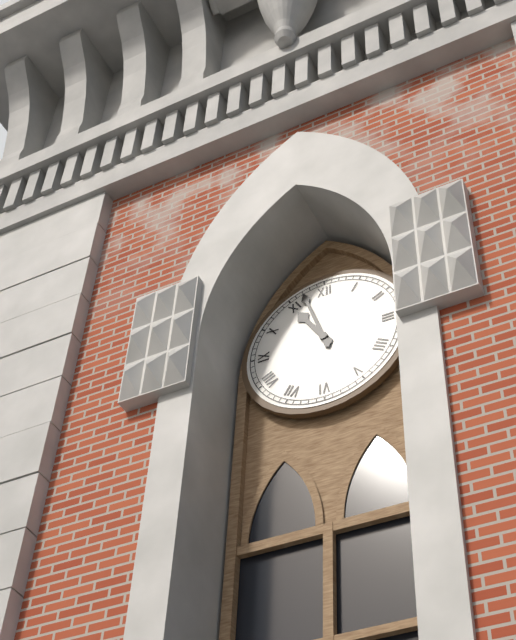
10h57
